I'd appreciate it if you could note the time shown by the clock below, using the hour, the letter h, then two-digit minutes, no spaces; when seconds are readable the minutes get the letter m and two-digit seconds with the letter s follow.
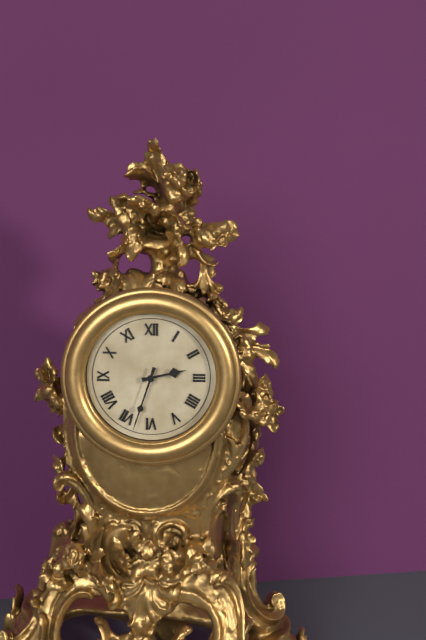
2h33
